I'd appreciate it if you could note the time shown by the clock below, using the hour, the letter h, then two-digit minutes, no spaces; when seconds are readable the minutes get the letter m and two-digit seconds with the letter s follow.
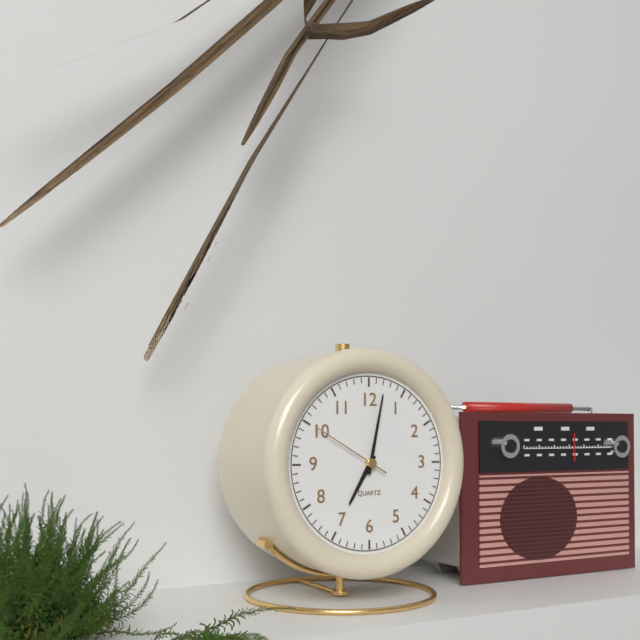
7h02m50s
